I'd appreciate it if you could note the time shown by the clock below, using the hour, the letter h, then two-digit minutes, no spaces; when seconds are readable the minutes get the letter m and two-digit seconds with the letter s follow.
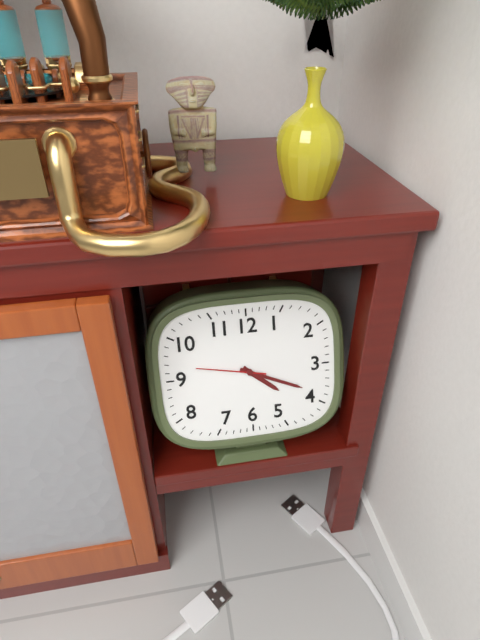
4h19m47s
